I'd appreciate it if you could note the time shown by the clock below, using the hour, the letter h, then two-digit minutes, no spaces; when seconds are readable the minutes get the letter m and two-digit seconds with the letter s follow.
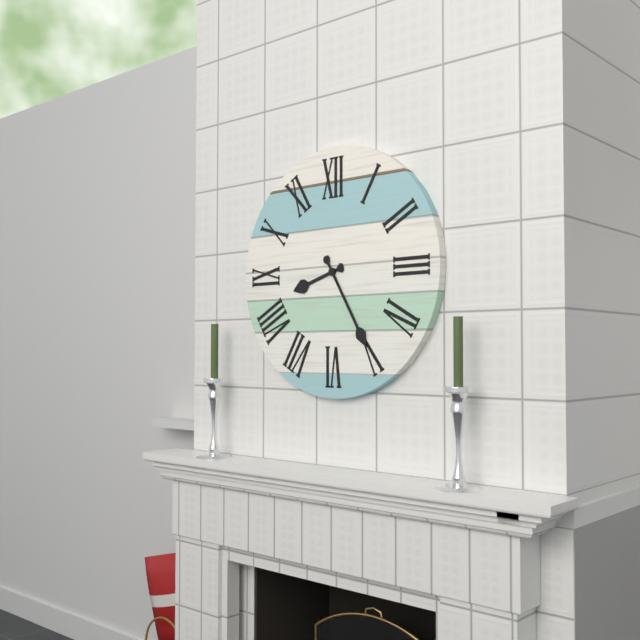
8h25
